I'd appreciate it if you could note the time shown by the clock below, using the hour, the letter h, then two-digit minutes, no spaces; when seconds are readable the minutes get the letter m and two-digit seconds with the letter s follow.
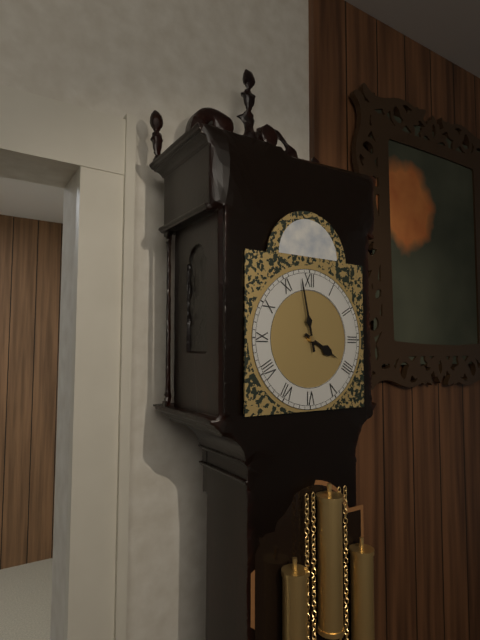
3h58
